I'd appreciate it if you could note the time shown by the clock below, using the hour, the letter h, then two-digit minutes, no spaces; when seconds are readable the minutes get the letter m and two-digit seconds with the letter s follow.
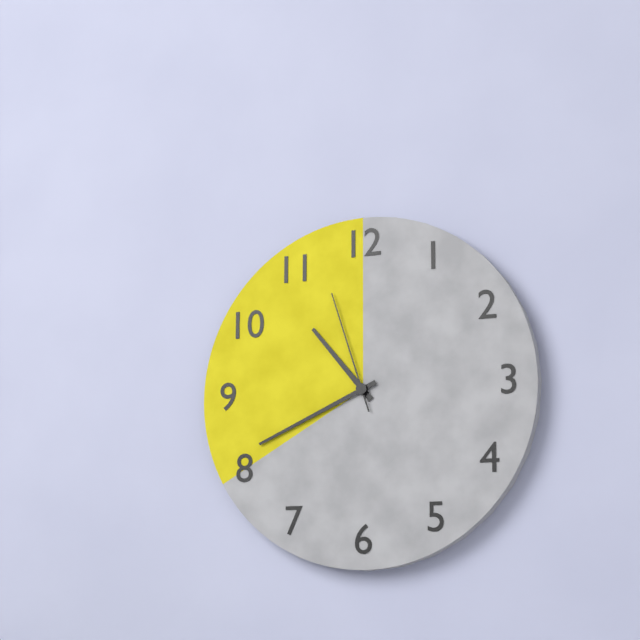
10h41m57s
